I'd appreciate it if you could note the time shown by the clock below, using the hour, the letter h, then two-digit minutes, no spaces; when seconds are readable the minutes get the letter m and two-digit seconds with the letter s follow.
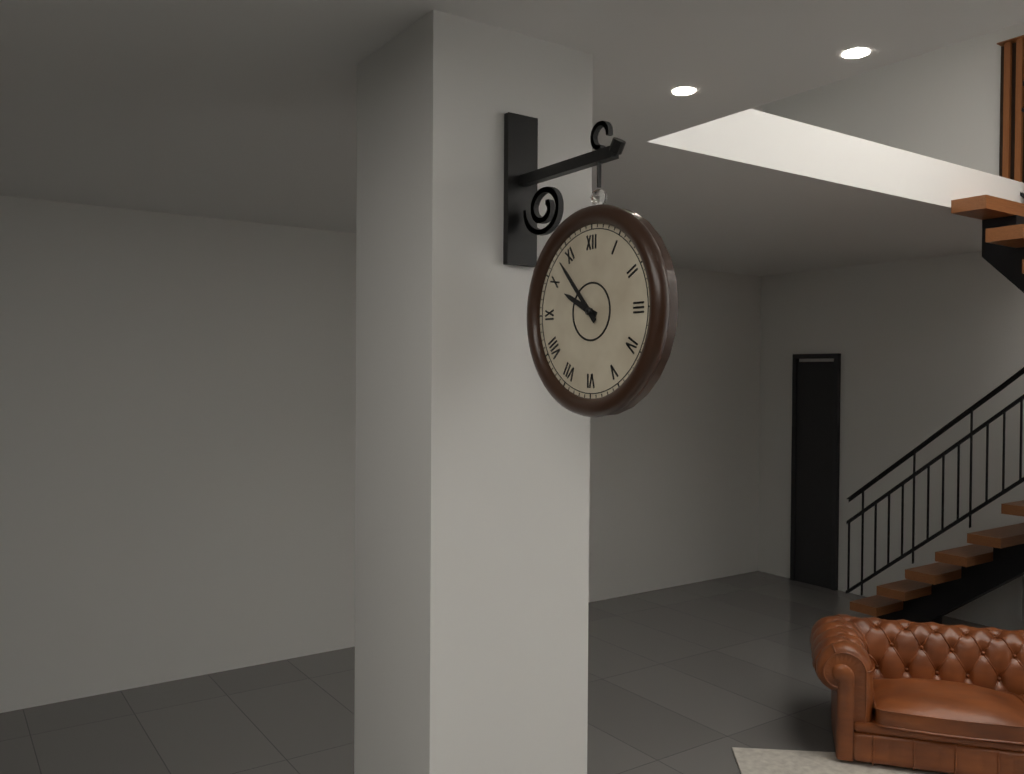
9h53
